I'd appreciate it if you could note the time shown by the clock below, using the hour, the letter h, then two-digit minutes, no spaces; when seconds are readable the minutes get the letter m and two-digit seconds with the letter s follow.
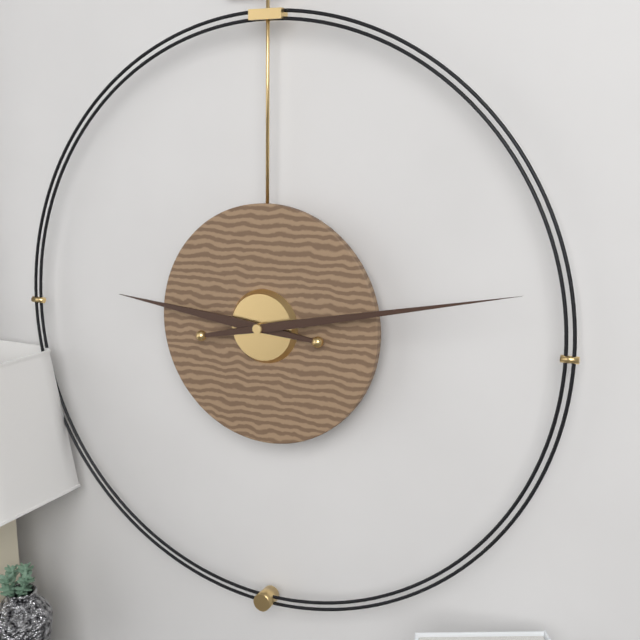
9h13
